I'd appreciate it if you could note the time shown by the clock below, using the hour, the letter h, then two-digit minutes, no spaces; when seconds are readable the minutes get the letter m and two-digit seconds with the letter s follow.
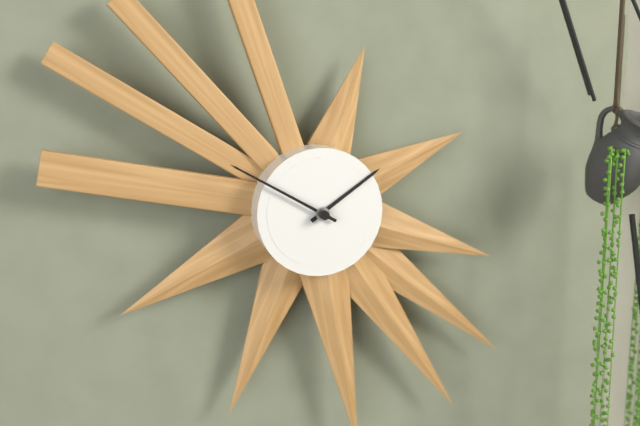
1h50
